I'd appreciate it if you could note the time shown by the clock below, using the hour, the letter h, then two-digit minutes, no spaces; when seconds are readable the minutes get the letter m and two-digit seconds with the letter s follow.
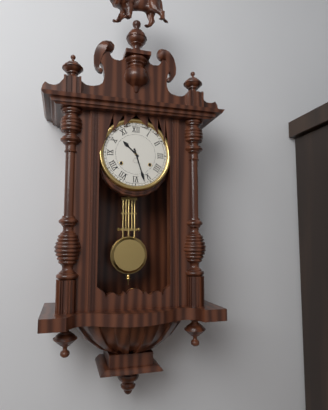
10h27
